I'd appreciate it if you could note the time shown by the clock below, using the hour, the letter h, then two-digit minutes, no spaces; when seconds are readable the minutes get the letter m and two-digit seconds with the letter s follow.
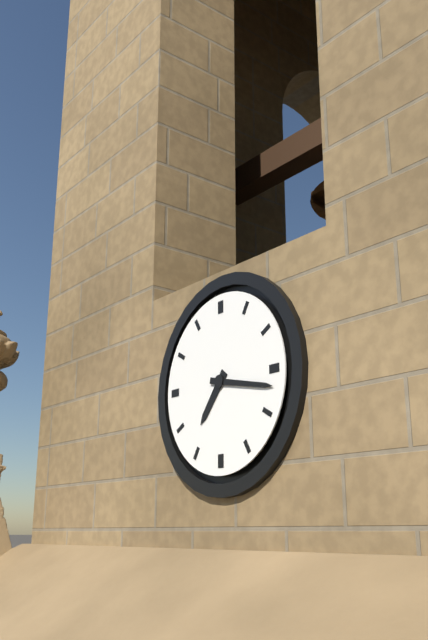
7h17
